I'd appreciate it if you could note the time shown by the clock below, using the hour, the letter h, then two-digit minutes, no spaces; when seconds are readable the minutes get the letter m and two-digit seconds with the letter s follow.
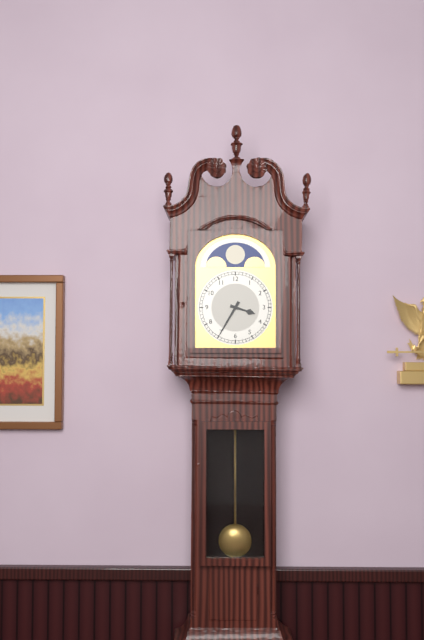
3h35
